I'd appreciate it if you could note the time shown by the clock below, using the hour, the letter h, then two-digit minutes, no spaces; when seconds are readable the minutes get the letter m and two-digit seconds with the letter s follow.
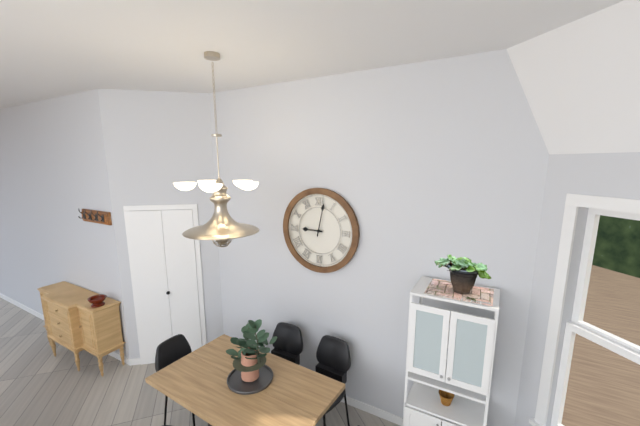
9h02
